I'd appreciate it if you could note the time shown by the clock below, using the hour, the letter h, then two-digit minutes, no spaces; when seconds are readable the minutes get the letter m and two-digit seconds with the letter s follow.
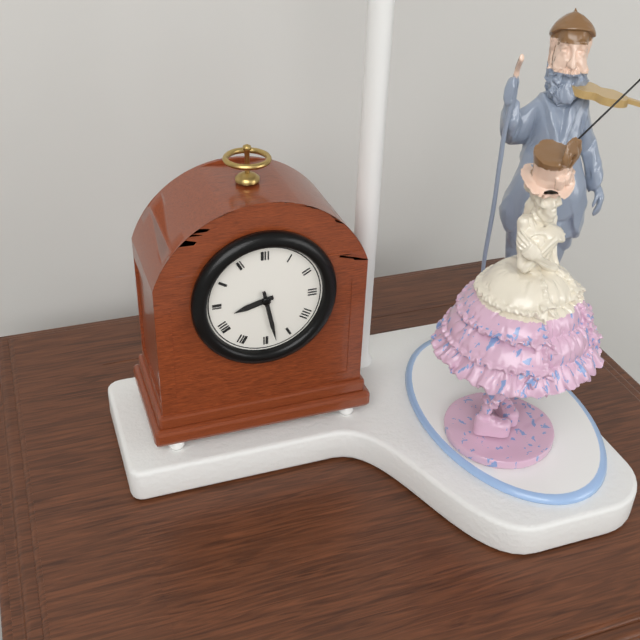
8h28
